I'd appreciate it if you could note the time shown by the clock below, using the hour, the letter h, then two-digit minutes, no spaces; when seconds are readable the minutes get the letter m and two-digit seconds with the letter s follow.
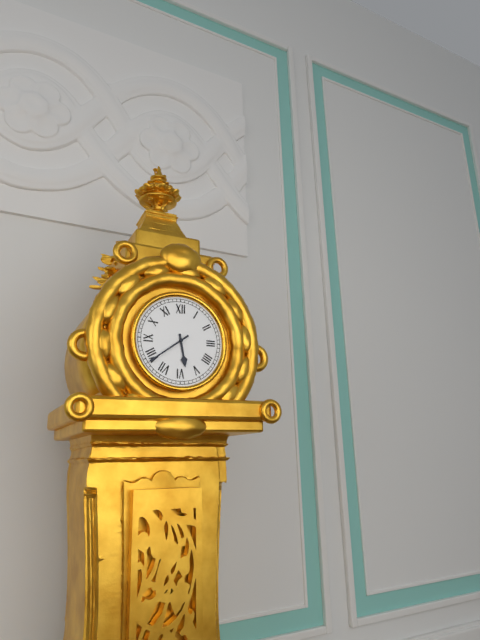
5h39
